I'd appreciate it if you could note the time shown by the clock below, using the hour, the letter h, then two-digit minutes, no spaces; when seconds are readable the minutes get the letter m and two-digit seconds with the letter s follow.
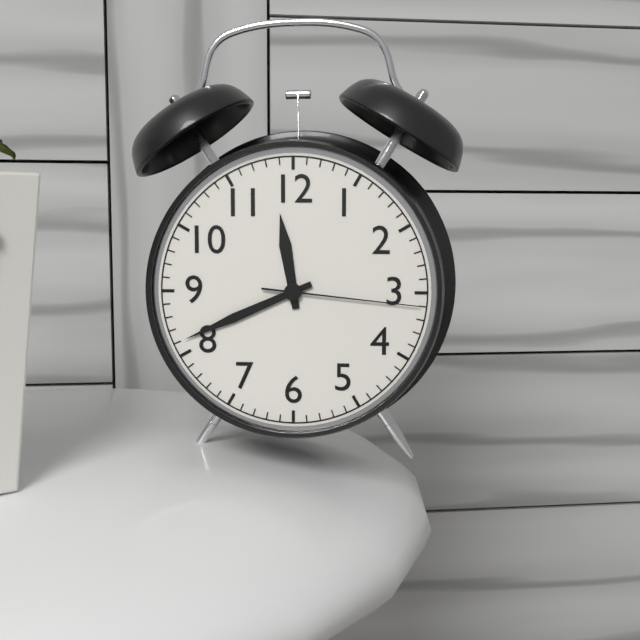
11h41m16s
